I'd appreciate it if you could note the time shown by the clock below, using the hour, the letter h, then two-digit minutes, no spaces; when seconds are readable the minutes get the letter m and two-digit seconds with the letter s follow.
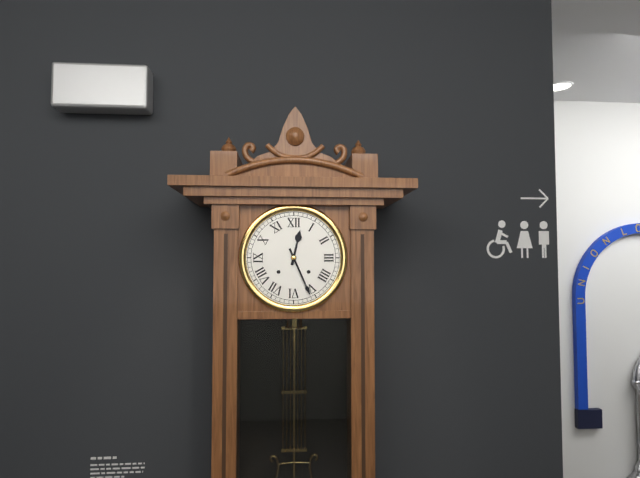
12h26
